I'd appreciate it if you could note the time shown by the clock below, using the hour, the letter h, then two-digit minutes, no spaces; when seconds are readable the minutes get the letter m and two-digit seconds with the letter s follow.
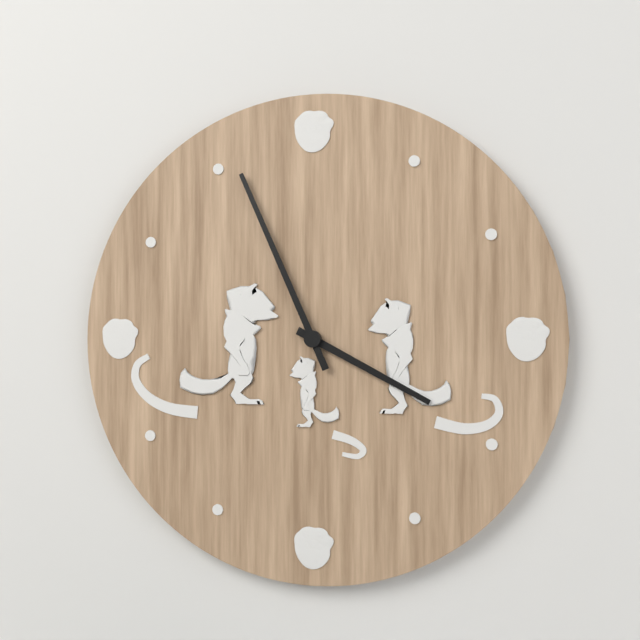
3h56
